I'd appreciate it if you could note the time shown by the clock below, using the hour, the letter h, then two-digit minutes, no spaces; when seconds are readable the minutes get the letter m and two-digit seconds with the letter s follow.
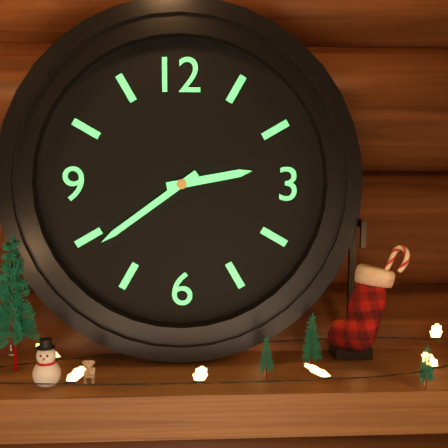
2h39
